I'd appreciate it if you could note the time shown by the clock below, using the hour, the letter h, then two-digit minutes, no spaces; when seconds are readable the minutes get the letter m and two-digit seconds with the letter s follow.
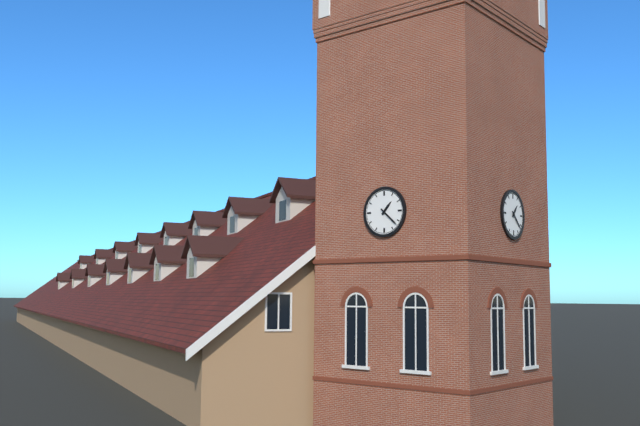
1h22
